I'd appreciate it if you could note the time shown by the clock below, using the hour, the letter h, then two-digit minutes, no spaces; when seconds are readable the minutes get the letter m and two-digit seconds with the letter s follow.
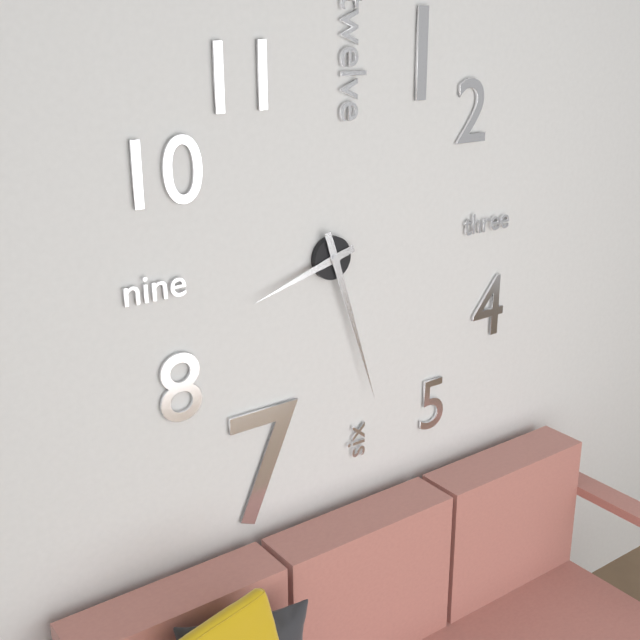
8h27
